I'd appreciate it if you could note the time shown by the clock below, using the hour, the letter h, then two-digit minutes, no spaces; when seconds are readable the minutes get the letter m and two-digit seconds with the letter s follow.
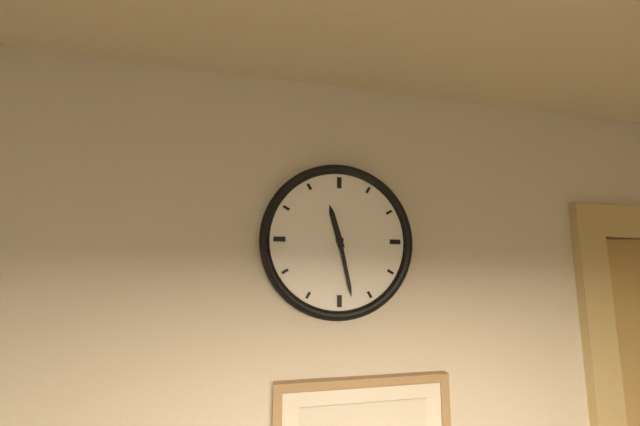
11h28
